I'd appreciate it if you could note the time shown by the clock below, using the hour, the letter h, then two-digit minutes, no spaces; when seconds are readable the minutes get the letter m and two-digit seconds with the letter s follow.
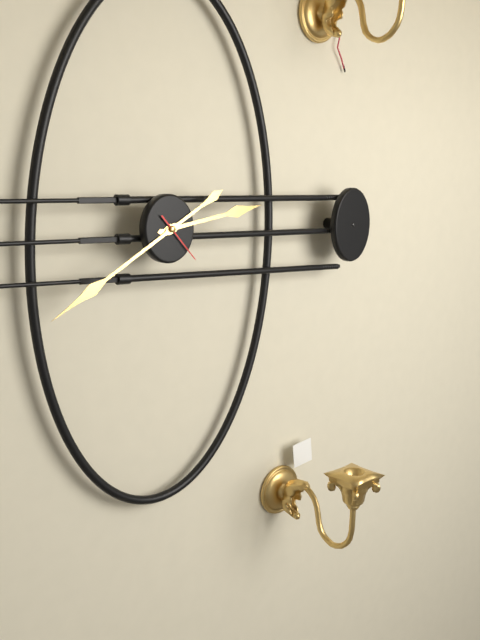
2h40
